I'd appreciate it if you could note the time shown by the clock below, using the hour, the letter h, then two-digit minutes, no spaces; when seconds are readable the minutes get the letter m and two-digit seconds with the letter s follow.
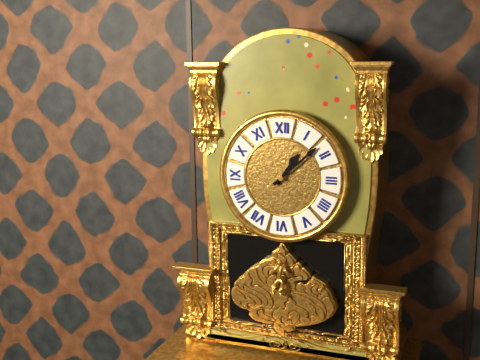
1h08
